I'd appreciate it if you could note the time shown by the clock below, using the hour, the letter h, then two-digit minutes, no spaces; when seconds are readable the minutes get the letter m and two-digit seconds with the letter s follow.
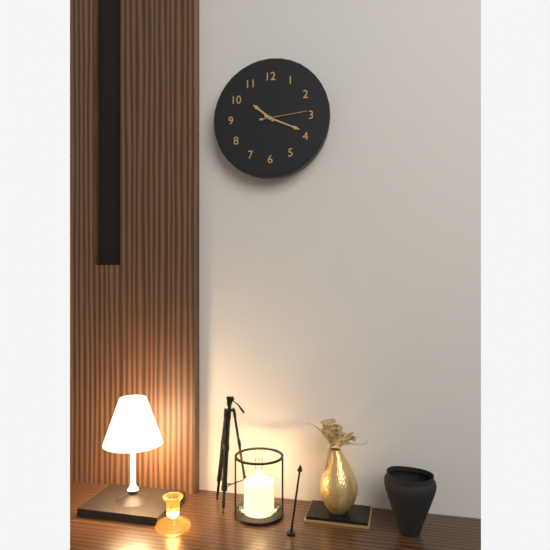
10h19
